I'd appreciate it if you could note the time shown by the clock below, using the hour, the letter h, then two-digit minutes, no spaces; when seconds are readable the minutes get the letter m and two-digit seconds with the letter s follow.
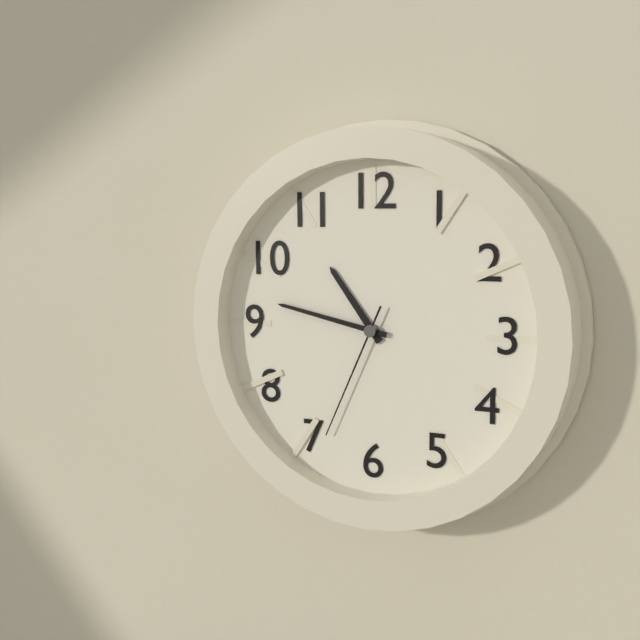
10h47m34s
